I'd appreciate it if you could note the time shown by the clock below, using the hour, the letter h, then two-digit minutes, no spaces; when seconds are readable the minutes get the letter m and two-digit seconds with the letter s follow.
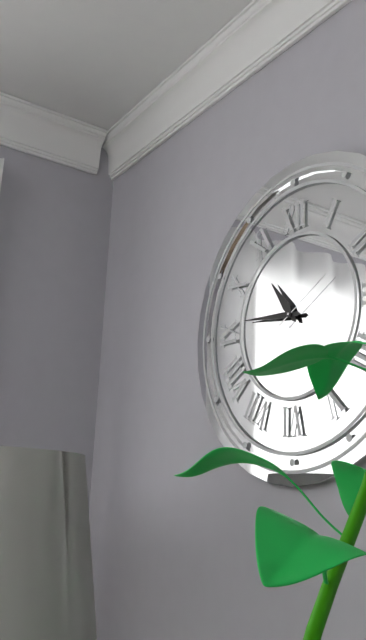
10h46m10s
